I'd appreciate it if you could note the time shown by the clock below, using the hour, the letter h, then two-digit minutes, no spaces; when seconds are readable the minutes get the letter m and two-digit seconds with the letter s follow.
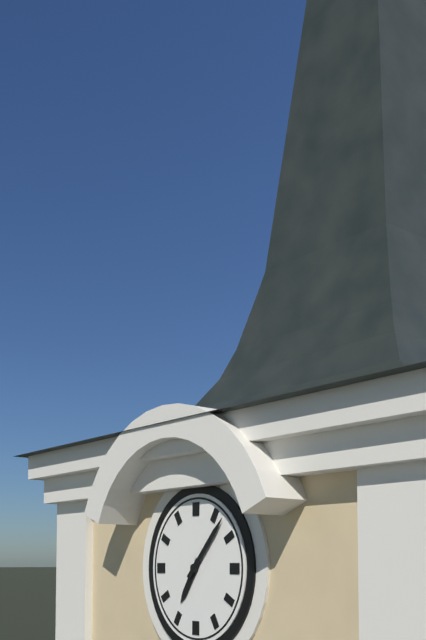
7h07
